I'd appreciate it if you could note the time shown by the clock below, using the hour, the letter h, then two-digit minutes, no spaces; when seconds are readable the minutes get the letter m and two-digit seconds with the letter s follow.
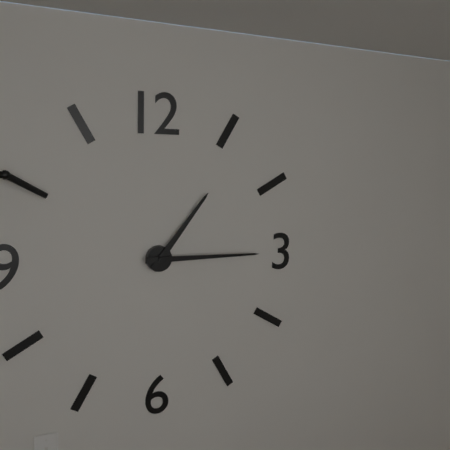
1h15
